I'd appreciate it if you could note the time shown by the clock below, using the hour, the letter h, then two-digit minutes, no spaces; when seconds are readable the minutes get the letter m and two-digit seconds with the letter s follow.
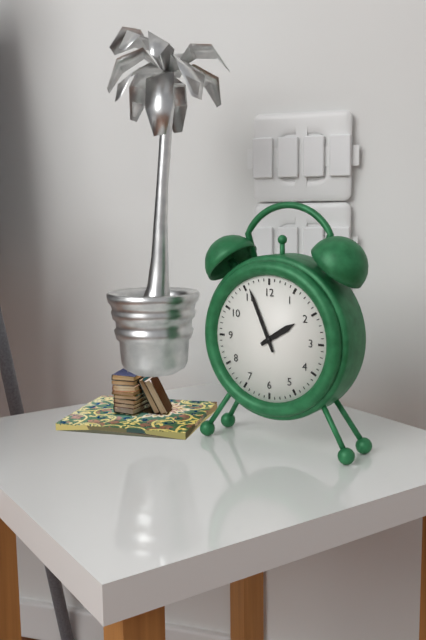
1h56
